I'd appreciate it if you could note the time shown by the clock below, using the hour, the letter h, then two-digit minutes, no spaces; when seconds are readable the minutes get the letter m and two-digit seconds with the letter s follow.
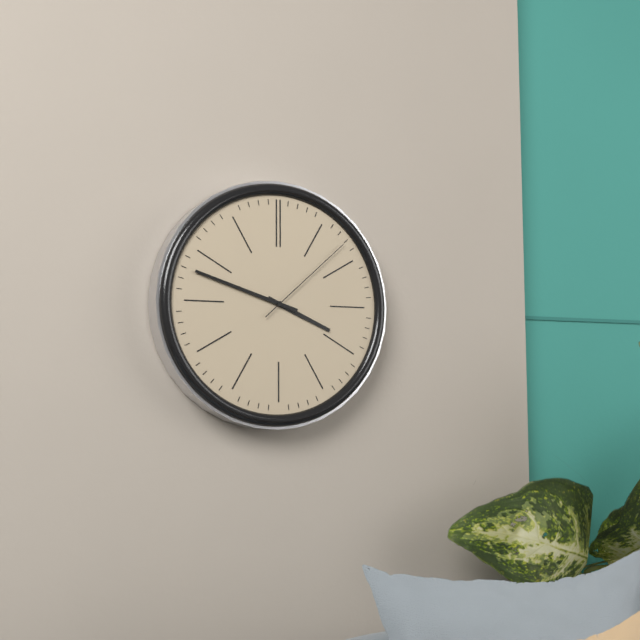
3h48m08s
